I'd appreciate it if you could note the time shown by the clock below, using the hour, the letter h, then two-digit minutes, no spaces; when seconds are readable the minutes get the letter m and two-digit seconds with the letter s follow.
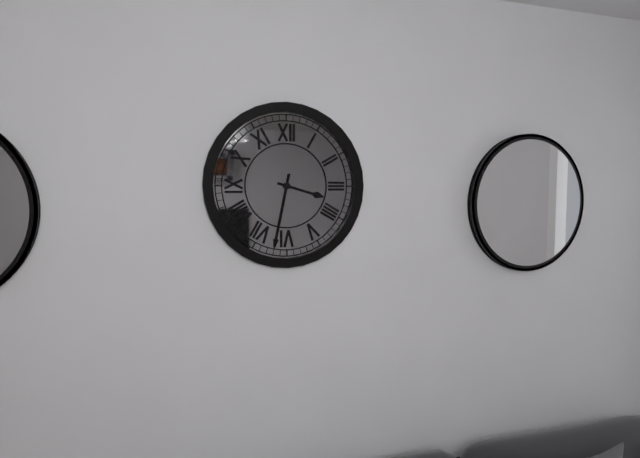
3h32
